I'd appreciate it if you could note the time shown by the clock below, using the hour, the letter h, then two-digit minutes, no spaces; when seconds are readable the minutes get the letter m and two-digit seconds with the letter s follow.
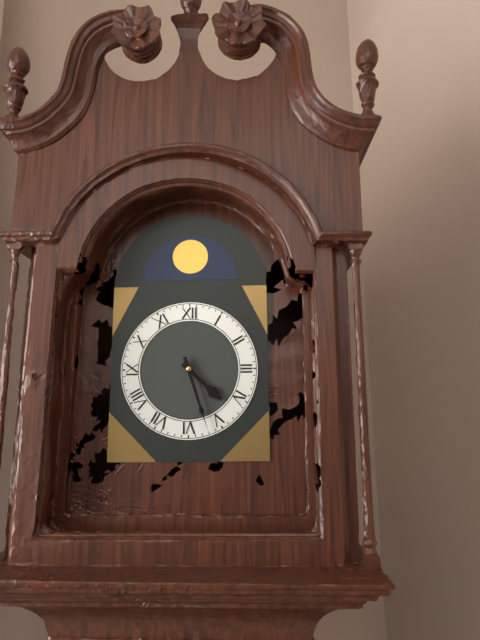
4h27
